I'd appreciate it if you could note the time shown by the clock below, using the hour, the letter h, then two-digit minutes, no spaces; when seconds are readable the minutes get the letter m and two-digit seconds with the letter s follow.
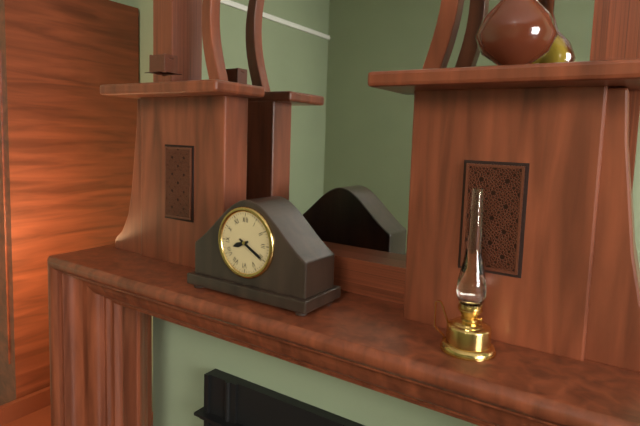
8h20
